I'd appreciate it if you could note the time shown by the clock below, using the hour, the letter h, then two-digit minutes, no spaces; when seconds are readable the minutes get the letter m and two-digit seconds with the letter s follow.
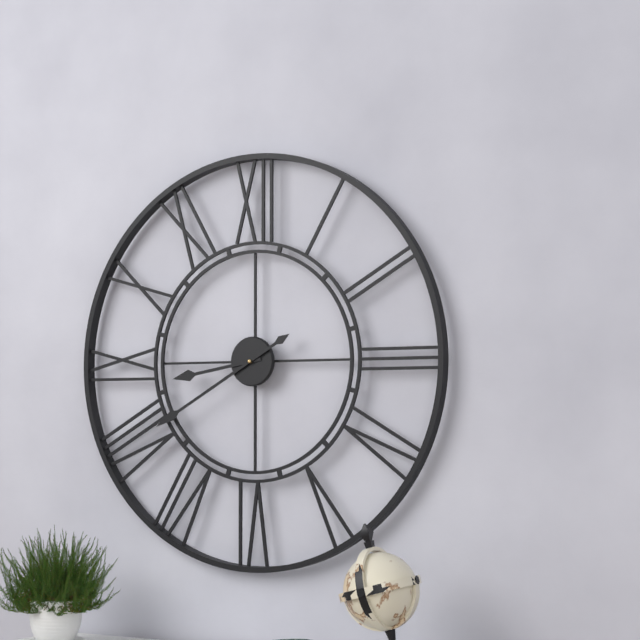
8h40
